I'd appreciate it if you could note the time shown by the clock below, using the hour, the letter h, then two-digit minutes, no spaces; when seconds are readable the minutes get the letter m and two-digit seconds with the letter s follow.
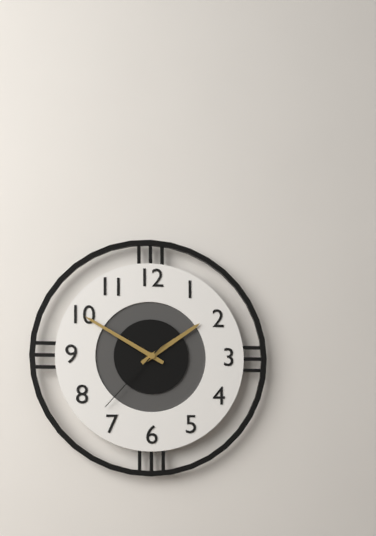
1h50m37s
